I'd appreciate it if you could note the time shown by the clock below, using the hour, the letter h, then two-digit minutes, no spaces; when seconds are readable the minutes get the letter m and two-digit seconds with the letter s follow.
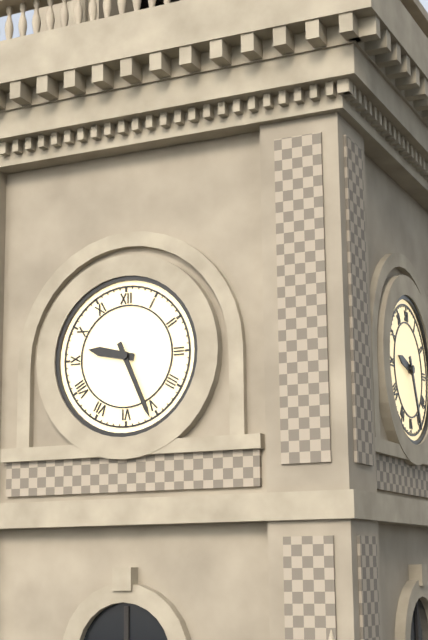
9h26
